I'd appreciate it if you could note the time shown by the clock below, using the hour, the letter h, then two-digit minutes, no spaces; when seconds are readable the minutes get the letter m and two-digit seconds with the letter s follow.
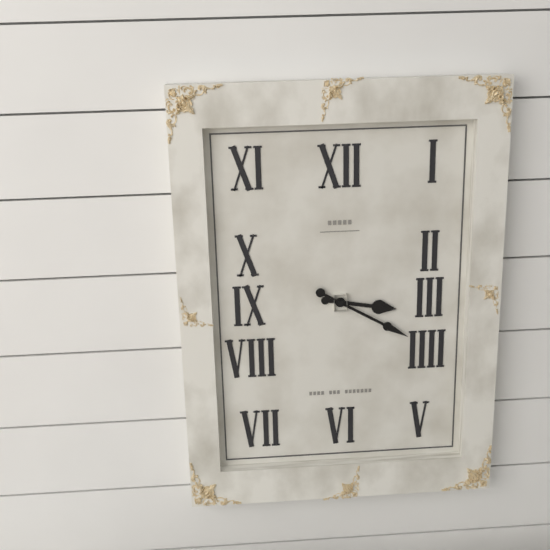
3h20
